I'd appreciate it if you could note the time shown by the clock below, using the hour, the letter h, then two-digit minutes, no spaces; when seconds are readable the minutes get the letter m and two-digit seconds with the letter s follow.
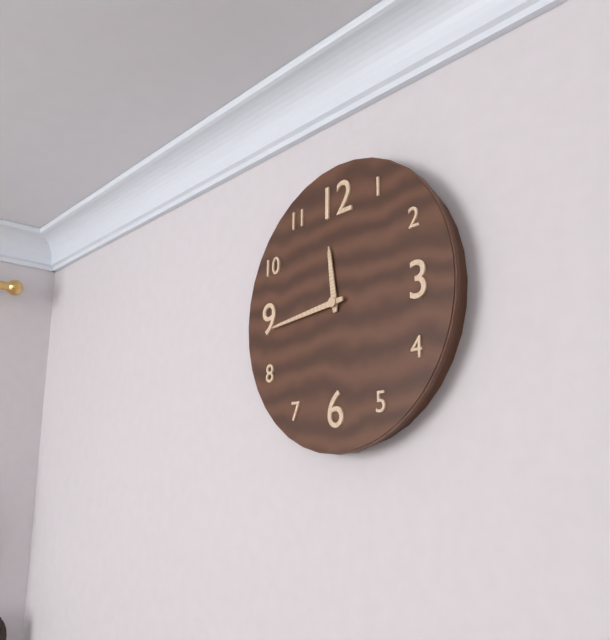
11h44
